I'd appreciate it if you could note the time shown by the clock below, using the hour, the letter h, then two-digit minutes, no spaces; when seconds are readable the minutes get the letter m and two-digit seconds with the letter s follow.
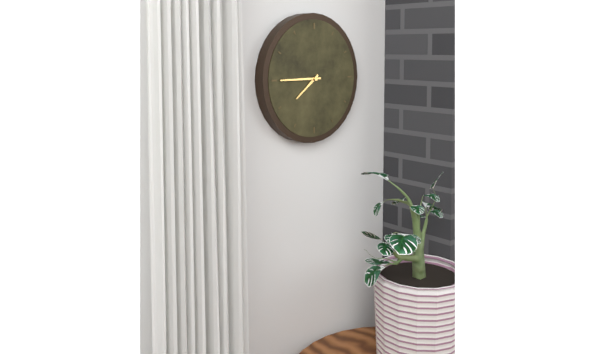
7h45
